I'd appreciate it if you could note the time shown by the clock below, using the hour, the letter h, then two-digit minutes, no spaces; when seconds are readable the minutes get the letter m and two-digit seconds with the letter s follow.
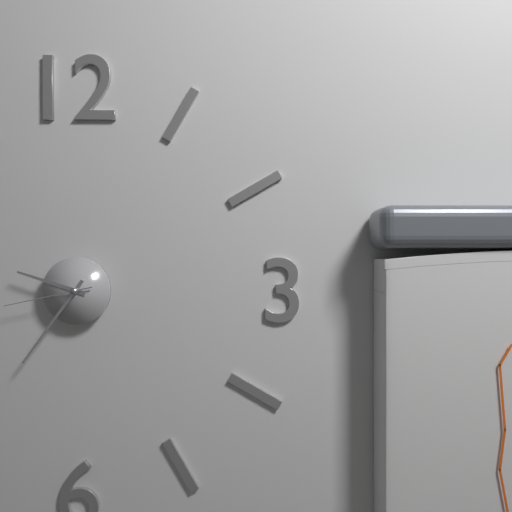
9h36m43s
